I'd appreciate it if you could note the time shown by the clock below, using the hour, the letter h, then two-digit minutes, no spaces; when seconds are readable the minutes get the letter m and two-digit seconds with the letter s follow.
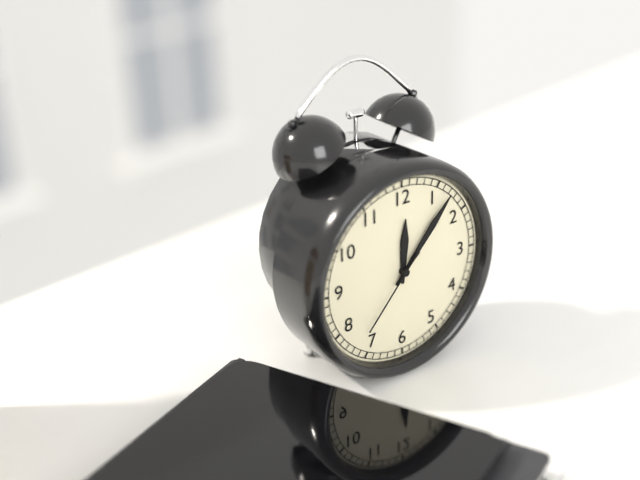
12h07m37s
